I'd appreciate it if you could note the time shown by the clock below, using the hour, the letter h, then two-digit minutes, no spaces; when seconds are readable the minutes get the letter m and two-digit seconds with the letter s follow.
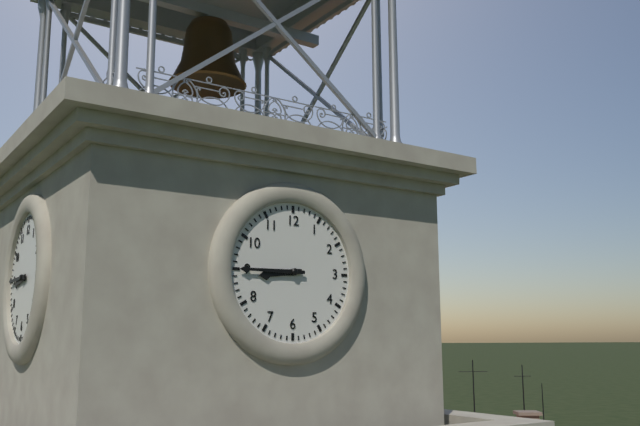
8h45
